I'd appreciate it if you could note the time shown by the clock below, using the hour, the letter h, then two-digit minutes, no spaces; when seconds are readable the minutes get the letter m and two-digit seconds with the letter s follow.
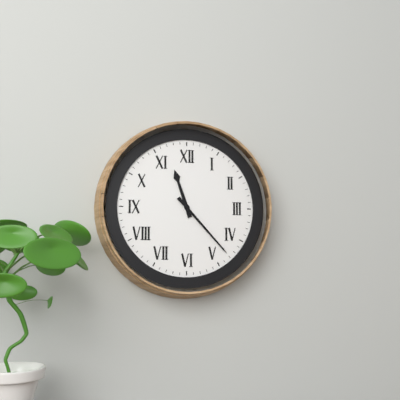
11h23
